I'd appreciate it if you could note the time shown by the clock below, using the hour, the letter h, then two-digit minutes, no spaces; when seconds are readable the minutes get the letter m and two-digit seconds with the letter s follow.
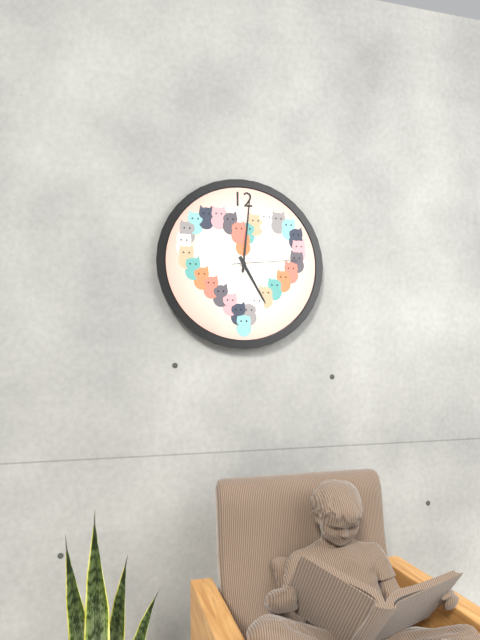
5h01m14s
